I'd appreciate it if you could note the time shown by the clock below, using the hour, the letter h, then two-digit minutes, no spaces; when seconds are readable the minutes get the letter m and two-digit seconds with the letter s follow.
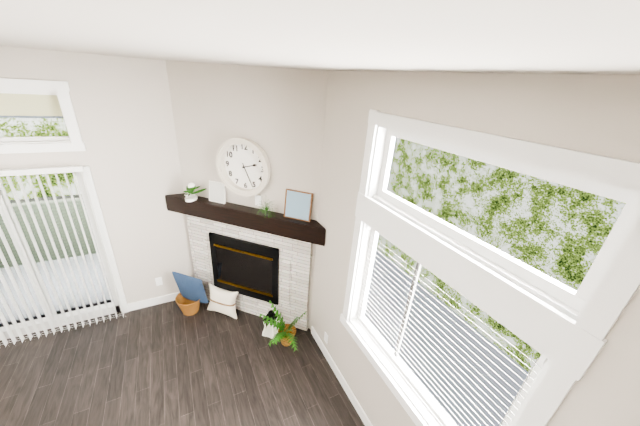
2h26
